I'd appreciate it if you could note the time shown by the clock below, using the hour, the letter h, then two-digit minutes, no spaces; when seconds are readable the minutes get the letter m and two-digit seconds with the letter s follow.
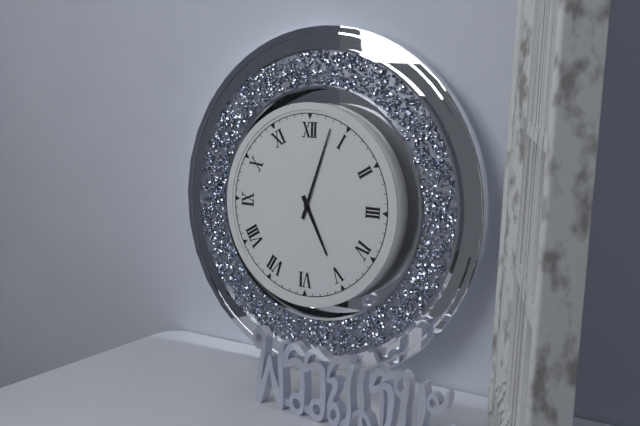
5h03
